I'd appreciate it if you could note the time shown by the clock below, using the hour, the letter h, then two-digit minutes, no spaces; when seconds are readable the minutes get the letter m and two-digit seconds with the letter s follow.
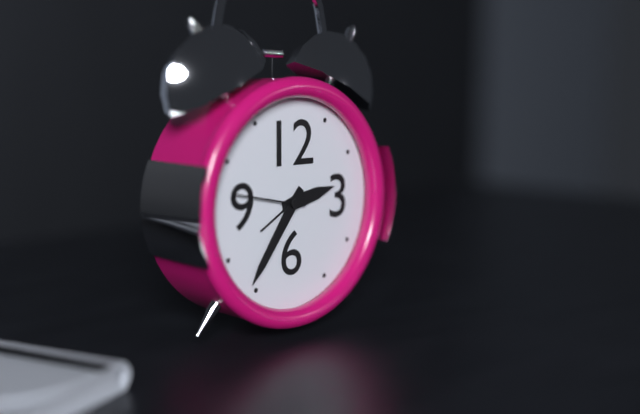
2h36m47s
